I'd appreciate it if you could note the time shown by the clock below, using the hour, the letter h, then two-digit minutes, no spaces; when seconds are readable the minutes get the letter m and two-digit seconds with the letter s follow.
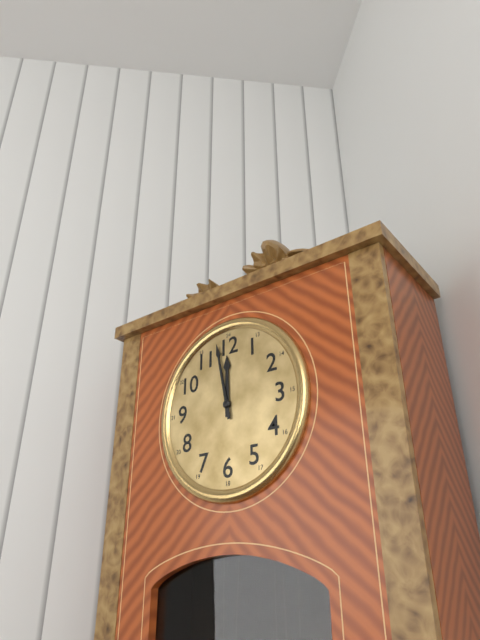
11h58
